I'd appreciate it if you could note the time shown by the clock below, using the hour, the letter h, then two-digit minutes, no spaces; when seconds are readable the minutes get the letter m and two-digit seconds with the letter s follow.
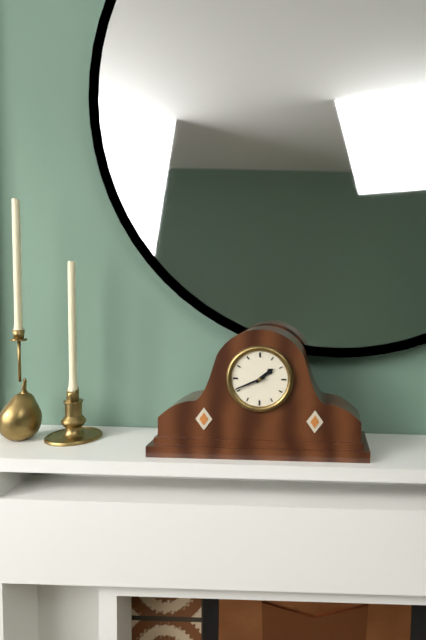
1h41
